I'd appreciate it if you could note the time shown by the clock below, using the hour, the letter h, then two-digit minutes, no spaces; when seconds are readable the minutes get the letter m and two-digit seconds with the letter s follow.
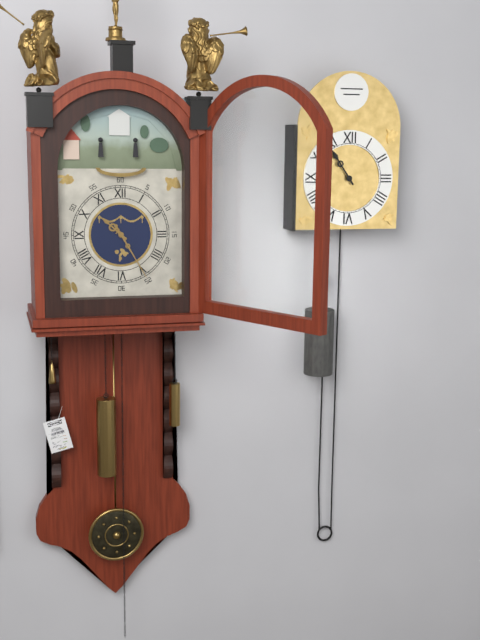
10h25
